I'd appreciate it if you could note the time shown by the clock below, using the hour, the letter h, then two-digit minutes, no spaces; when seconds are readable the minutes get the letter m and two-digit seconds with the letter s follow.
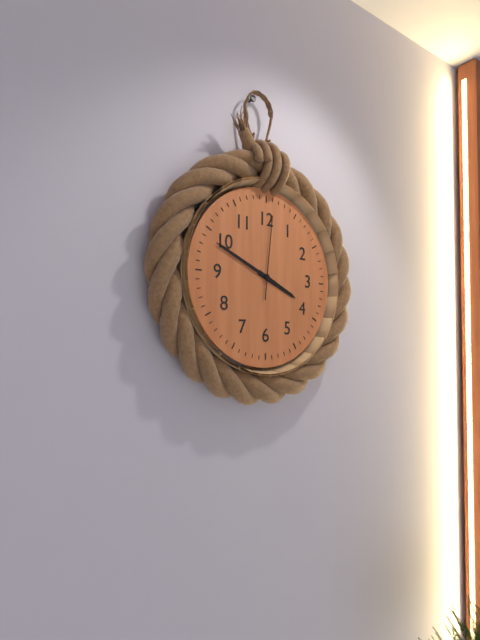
3h49m01s
